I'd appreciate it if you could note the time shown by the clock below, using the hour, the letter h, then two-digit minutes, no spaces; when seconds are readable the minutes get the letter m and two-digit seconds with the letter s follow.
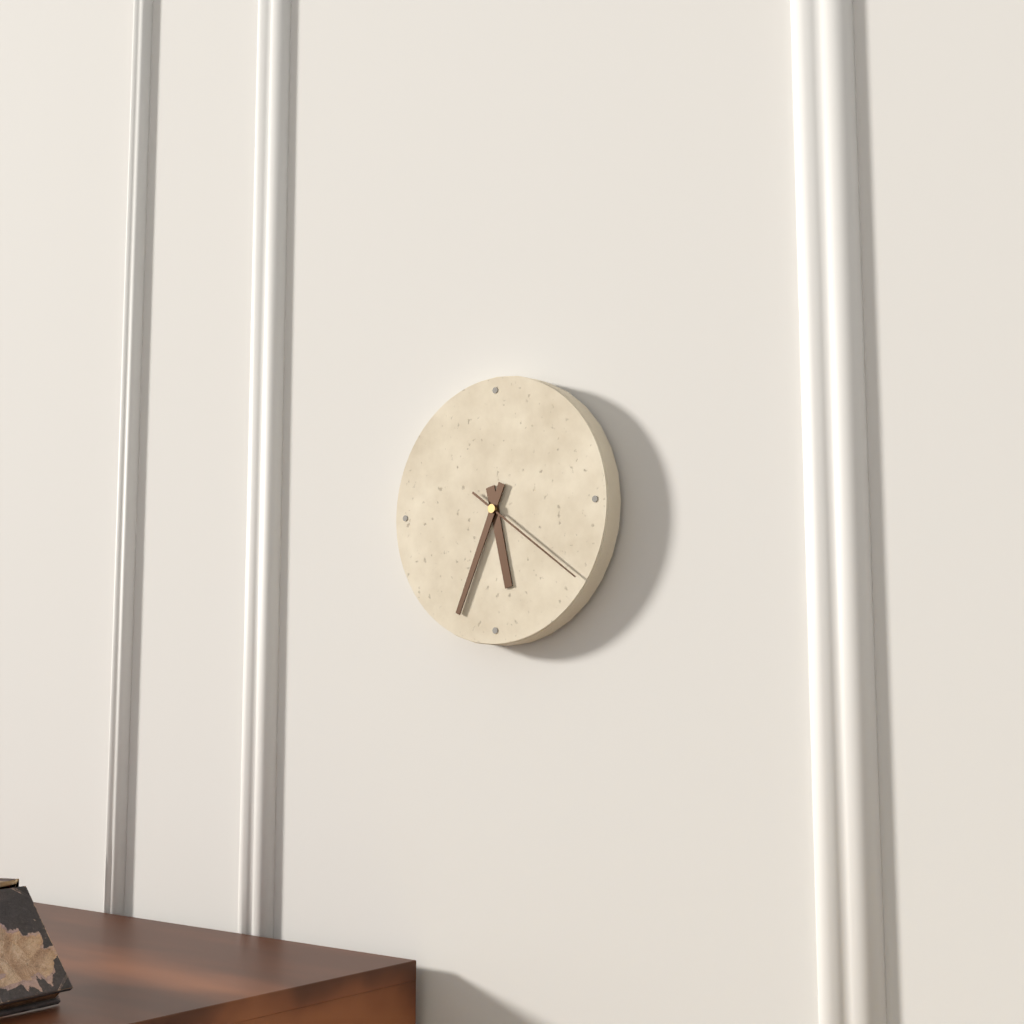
5h34m21s
